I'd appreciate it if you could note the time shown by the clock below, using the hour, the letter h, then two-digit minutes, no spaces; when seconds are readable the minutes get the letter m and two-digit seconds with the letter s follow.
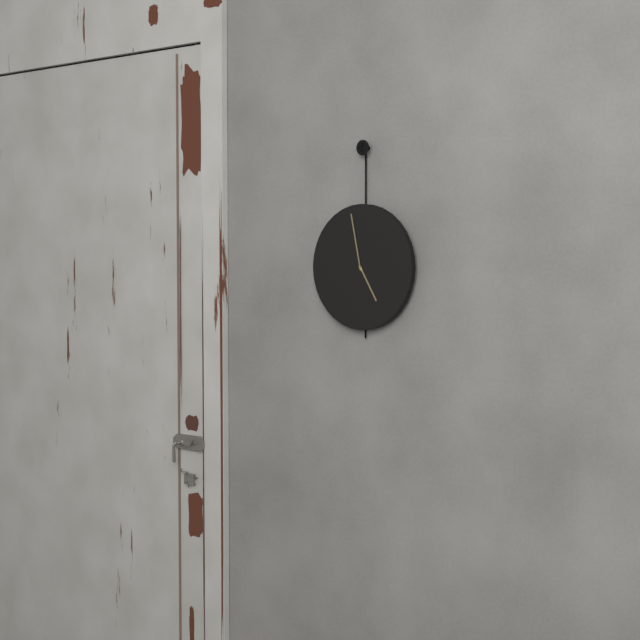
4h58
